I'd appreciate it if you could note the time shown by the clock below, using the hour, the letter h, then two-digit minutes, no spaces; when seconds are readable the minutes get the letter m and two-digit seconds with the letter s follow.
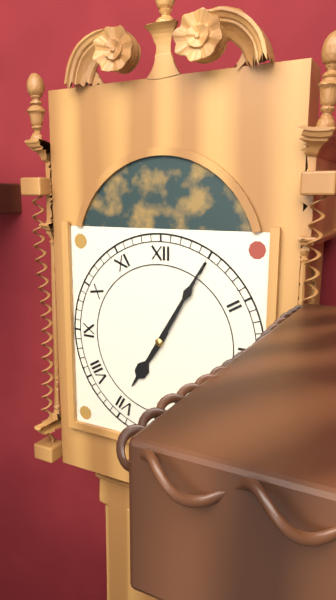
7h05
